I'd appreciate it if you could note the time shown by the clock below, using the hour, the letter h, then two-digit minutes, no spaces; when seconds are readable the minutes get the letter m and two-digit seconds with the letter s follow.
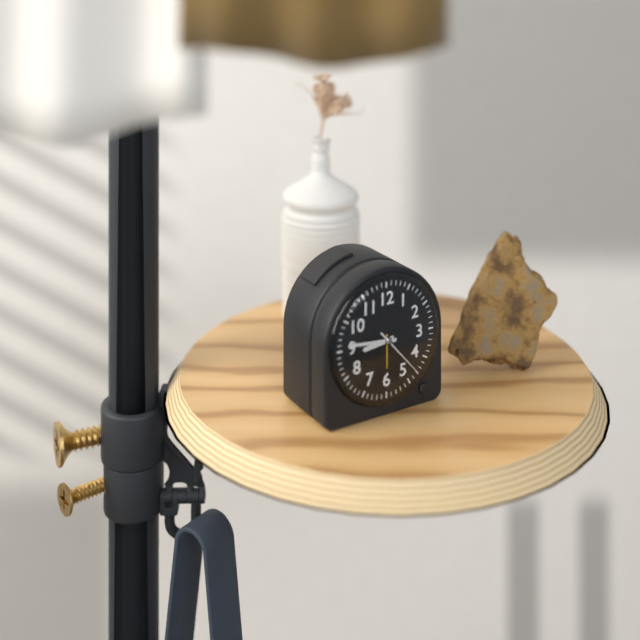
8h46m23s
